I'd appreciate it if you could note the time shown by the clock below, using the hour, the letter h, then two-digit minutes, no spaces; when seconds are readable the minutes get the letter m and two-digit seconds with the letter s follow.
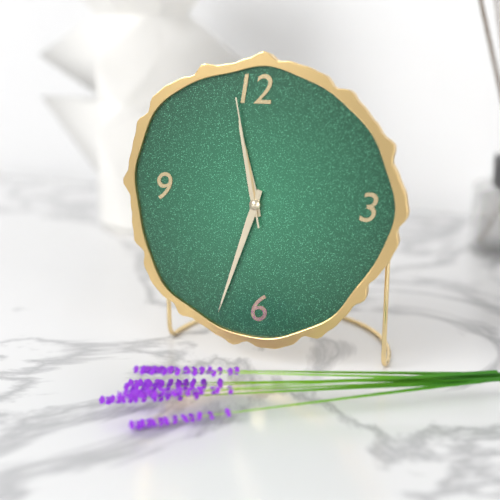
11h33m58s
